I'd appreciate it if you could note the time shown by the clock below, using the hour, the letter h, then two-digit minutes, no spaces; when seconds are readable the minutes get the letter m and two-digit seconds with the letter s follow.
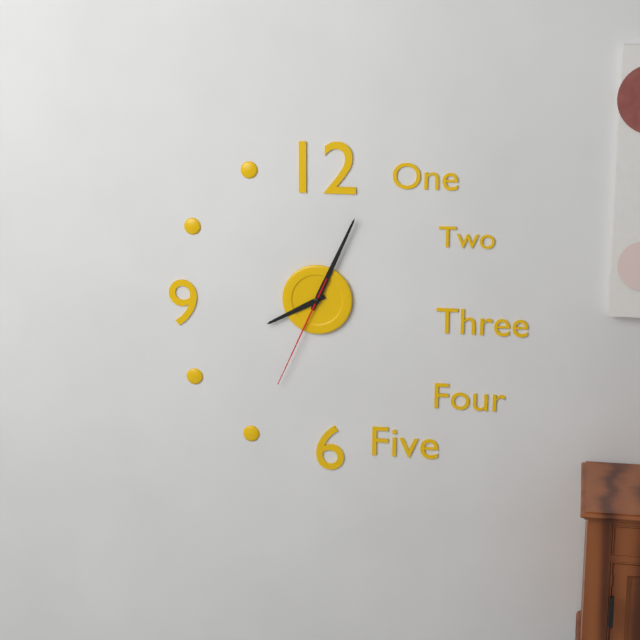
8h04m34s
